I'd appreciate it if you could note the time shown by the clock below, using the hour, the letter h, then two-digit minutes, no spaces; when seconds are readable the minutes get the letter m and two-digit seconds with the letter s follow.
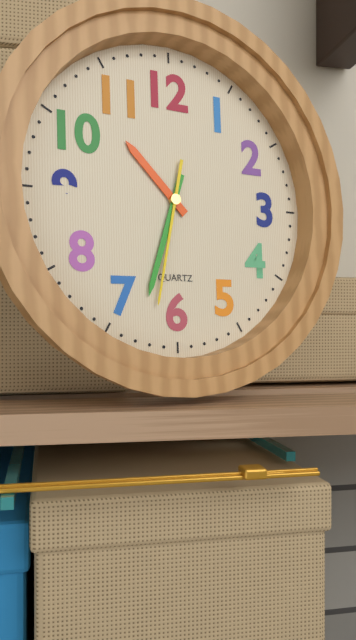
10h33m32s
